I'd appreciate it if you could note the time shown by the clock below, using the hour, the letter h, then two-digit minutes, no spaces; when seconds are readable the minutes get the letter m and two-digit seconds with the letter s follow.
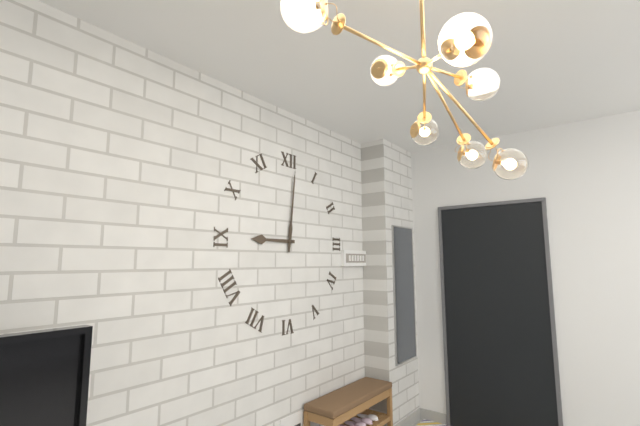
9h01
